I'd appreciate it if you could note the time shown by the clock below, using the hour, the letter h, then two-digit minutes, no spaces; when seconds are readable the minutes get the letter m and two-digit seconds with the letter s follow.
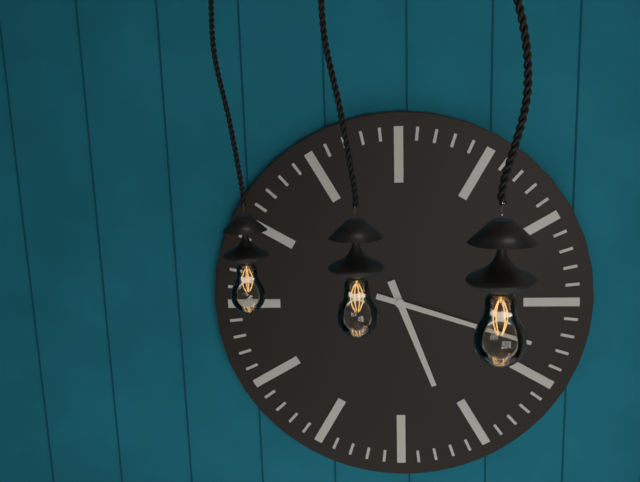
5h18
